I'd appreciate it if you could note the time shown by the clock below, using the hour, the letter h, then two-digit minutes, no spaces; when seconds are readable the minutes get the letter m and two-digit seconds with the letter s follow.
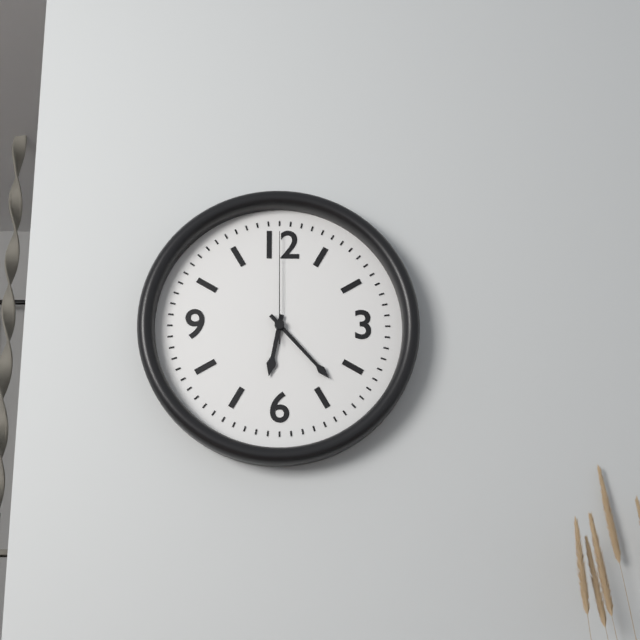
6h23m00s
